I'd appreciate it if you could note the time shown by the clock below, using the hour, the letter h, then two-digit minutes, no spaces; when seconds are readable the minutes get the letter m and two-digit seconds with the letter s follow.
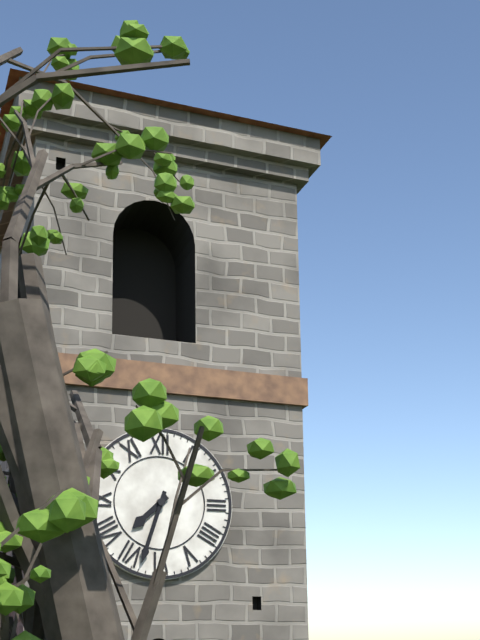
7h33
